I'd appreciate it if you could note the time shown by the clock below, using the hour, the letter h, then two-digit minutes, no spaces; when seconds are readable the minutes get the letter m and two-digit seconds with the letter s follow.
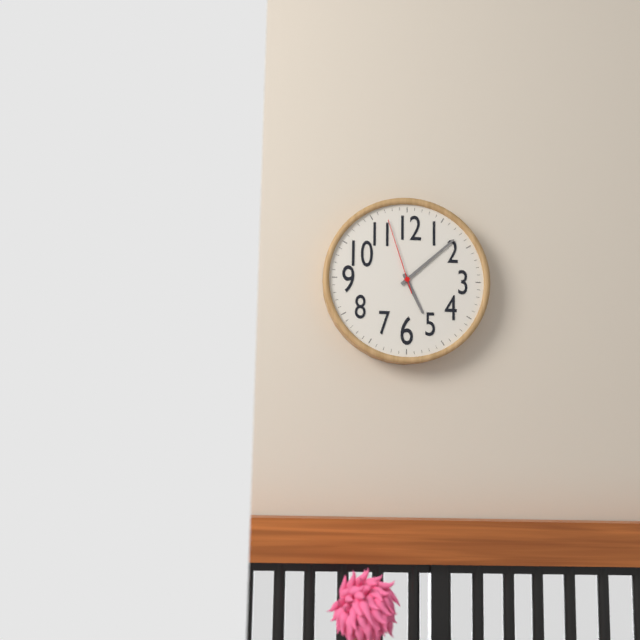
5h08m57s
